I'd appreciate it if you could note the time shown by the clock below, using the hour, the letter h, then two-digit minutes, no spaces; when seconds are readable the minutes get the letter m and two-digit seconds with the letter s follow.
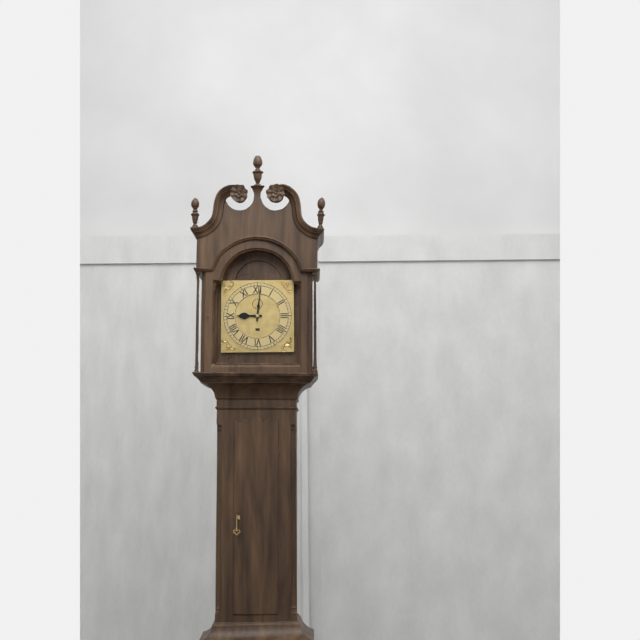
9h01
